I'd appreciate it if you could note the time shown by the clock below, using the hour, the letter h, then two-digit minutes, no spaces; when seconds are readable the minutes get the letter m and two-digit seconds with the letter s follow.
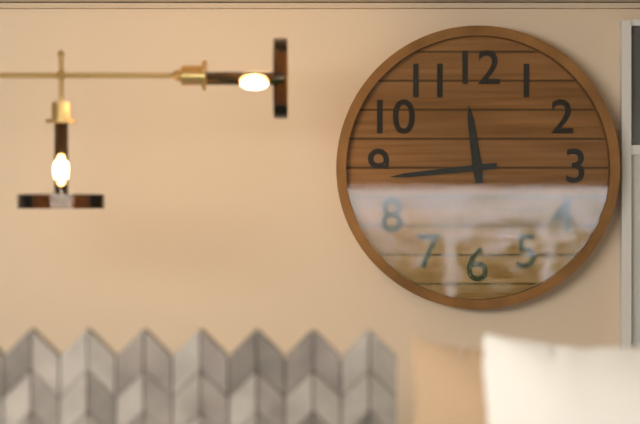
11h44
